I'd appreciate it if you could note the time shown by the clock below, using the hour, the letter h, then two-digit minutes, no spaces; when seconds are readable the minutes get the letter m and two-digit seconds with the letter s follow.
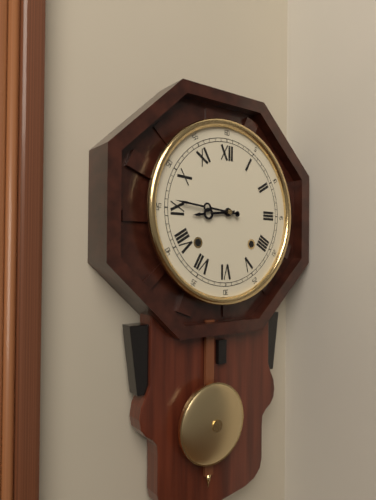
8h46
